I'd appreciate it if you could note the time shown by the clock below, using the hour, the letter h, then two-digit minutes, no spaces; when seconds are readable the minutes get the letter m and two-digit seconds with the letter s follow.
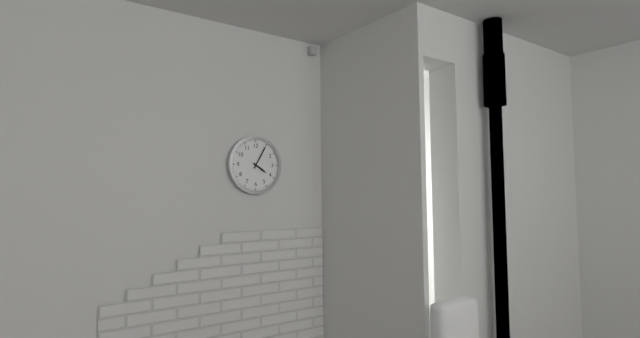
4h05
